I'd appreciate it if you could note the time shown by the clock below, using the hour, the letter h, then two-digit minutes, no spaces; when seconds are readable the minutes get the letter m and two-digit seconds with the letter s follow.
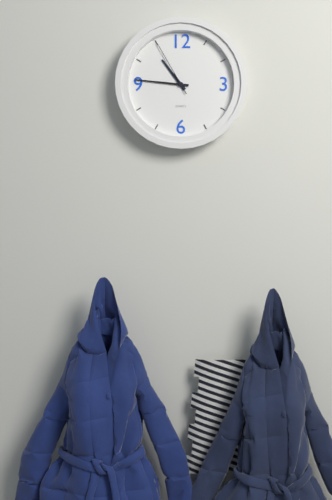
10h46m55s
